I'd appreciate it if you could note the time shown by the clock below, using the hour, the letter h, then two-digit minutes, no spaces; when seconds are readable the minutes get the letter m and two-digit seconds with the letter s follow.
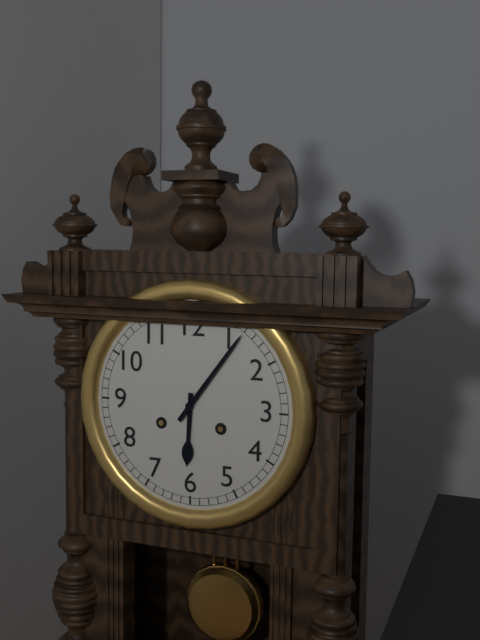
6h06
